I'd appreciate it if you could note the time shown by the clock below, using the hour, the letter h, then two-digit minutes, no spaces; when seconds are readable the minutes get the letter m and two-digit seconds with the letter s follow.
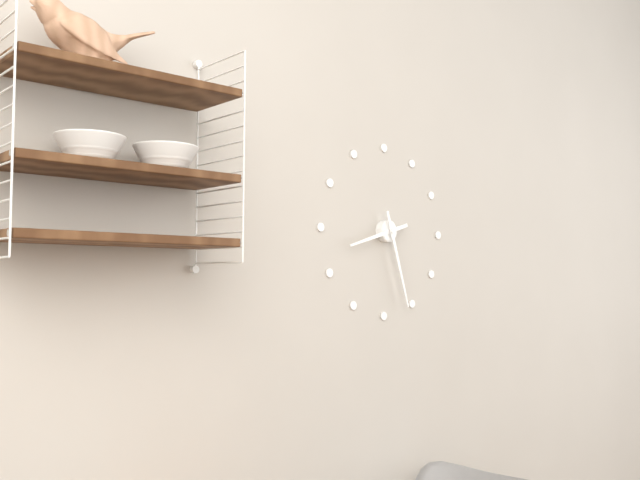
8h27
